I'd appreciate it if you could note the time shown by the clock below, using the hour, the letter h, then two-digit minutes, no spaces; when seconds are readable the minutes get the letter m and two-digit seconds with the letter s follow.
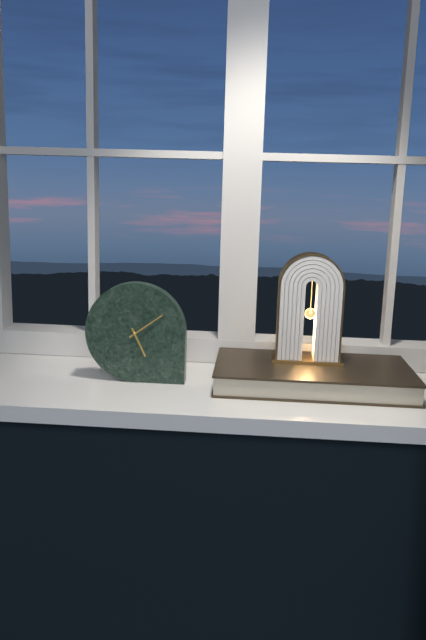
5h09
